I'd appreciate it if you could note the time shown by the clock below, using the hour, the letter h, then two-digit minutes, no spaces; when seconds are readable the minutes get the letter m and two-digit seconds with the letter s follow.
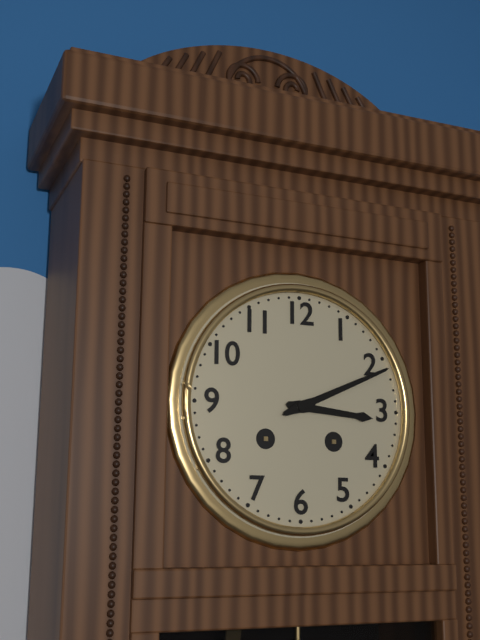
3h11
